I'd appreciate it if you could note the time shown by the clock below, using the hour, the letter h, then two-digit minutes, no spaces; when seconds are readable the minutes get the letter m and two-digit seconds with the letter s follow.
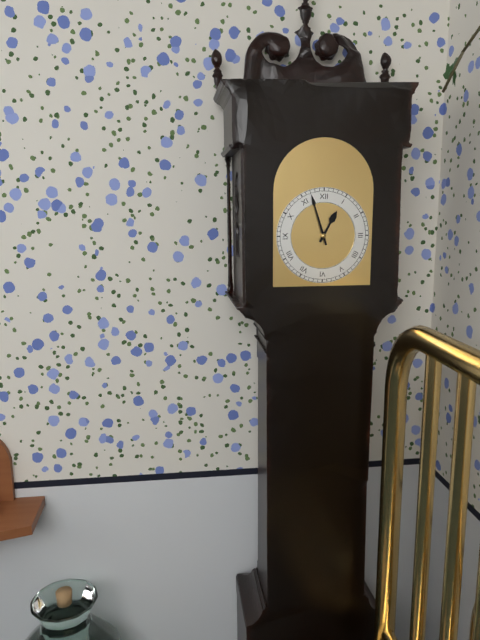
12h57
